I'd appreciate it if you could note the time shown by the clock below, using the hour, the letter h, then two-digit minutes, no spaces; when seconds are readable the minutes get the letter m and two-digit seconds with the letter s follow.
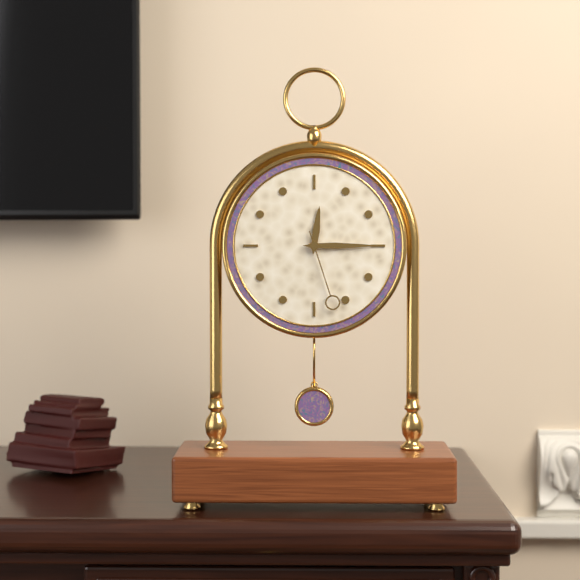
12h15m27s
